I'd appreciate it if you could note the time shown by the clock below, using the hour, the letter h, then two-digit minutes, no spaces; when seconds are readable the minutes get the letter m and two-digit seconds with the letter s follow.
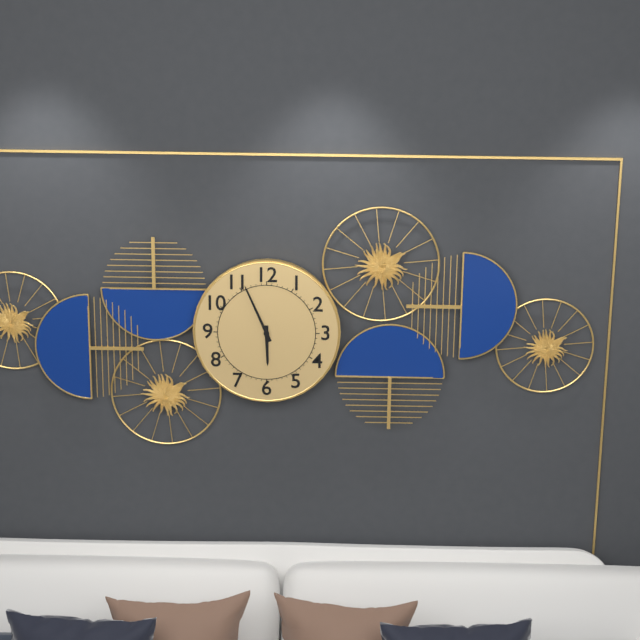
5h56
